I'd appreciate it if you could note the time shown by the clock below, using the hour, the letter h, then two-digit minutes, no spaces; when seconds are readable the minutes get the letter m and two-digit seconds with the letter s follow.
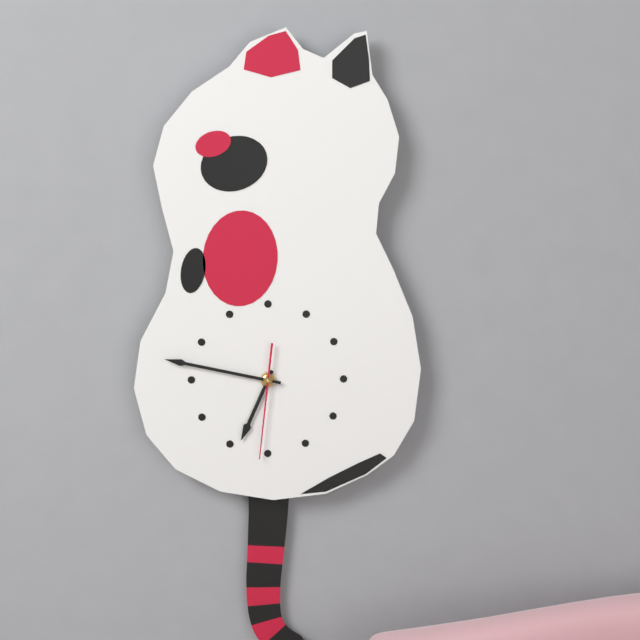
6h47m31s
